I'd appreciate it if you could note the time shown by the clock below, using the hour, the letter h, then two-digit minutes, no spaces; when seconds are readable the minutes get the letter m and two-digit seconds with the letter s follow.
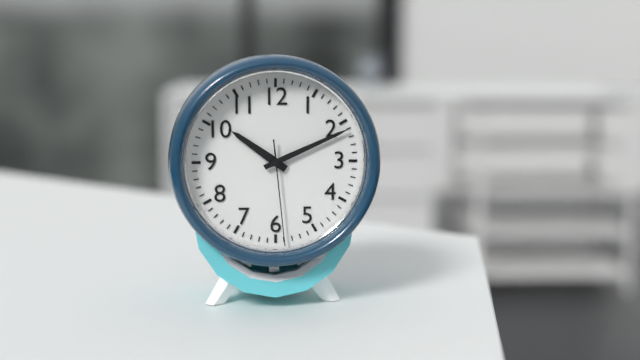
10h11m29s
